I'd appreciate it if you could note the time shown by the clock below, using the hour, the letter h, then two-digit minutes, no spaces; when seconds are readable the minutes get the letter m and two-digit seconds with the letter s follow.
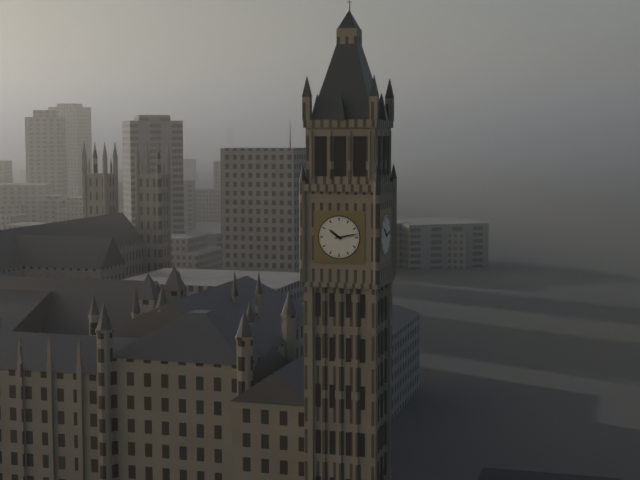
10h13
